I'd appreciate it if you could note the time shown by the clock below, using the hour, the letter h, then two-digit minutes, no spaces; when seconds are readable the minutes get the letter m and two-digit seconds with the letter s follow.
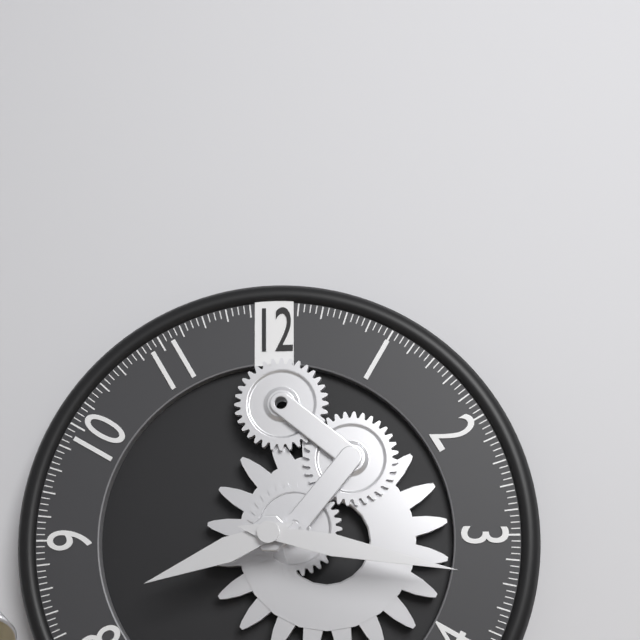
8h17
